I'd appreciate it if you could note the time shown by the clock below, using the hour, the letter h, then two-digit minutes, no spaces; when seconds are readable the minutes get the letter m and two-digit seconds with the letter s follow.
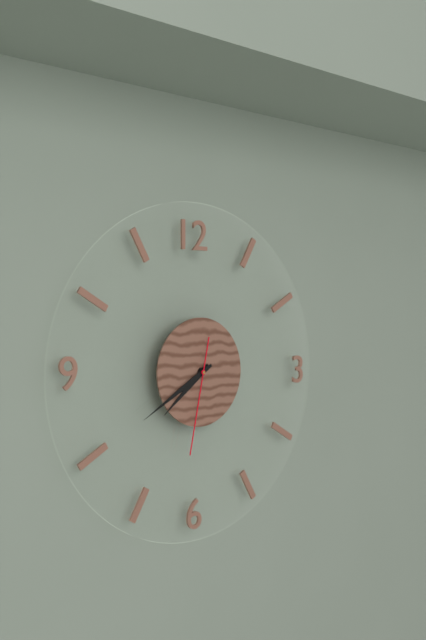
7h40m32s
